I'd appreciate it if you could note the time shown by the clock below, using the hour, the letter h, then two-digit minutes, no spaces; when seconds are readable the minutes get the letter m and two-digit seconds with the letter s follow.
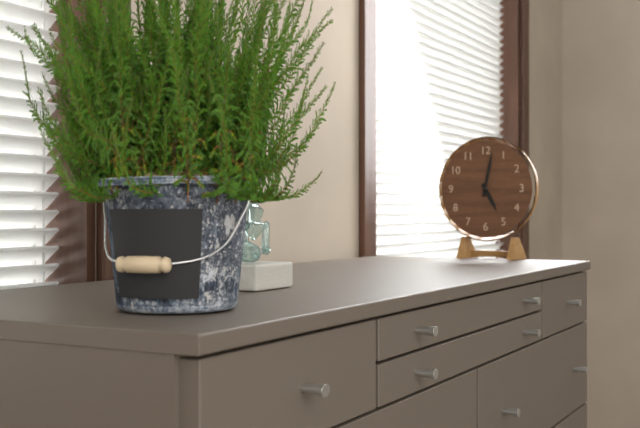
5h02
